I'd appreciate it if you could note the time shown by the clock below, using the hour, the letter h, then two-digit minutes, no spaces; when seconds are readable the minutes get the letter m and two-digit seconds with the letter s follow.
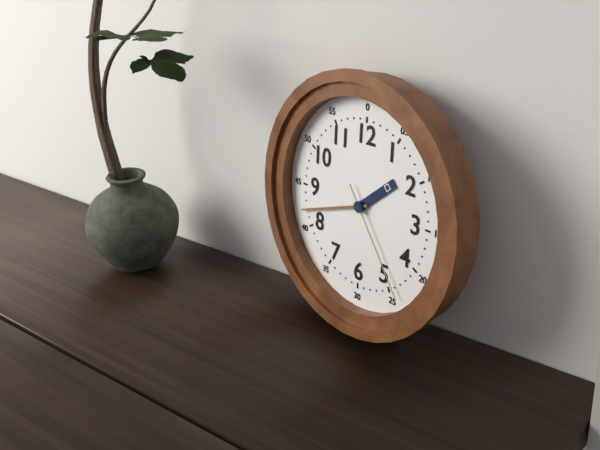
1h42m24s
